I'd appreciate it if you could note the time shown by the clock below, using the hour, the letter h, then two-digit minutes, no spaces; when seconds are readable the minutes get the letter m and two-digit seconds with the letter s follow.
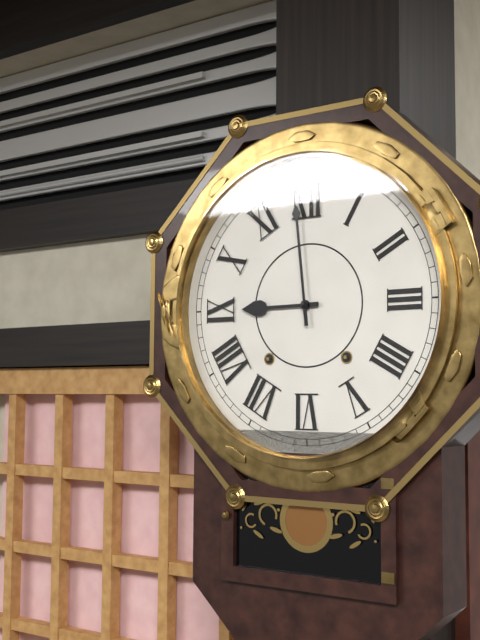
8h59
